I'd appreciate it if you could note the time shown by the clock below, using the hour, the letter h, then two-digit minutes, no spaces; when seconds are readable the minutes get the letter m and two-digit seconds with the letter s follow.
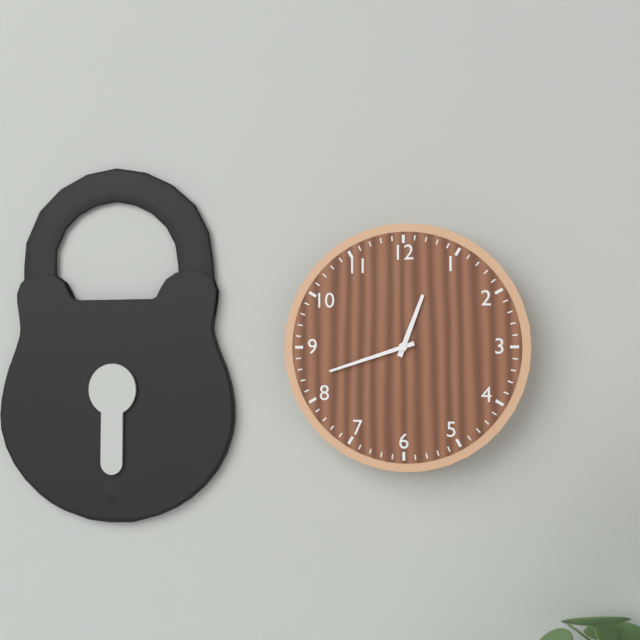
12h42
